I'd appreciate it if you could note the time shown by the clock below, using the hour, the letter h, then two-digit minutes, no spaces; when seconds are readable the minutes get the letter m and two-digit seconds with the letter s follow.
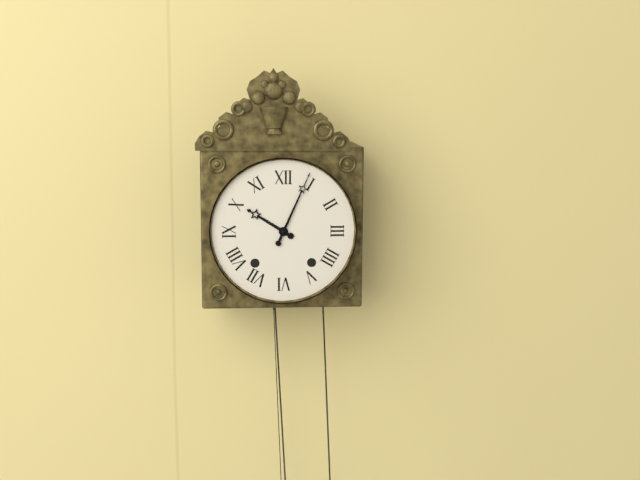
10h04
